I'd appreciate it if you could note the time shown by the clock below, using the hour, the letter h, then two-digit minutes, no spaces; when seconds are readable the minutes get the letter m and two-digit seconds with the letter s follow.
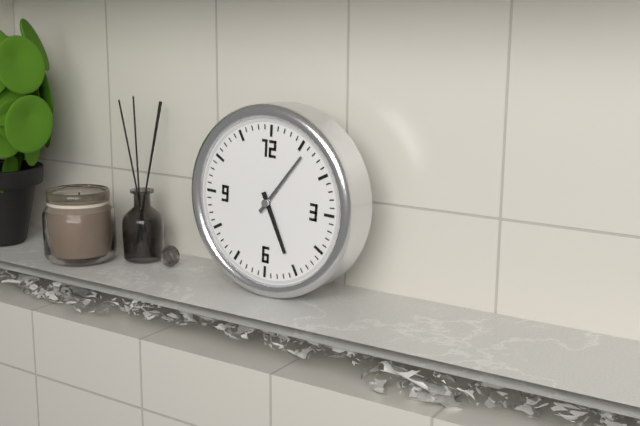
5h06
